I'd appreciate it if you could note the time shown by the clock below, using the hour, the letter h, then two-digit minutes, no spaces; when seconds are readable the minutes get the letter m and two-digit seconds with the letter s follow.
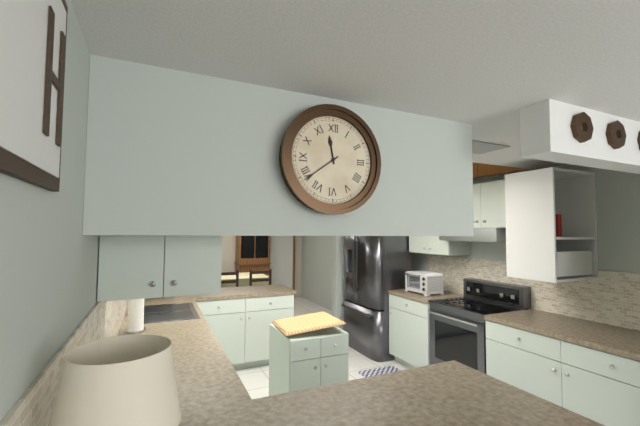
11h39
